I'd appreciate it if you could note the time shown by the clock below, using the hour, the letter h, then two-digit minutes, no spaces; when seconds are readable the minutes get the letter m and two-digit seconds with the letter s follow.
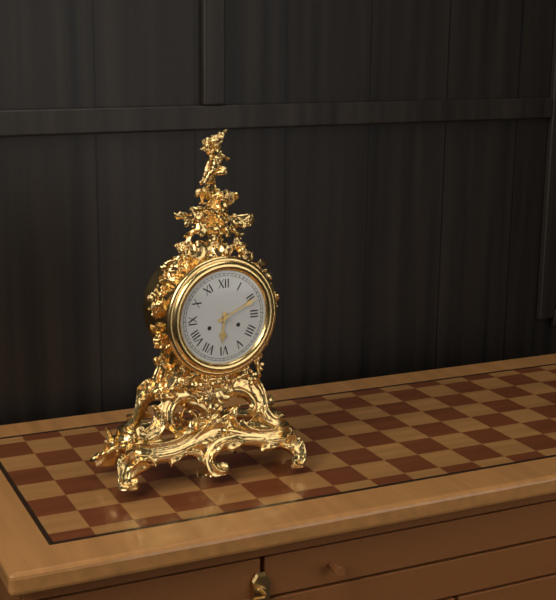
6h11
